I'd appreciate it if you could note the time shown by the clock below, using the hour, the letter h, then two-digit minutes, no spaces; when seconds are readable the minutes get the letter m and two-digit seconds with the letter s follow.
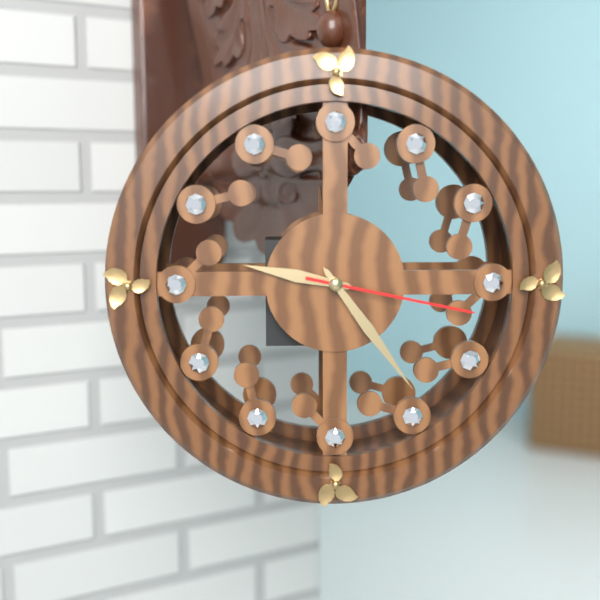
9h24m17s
